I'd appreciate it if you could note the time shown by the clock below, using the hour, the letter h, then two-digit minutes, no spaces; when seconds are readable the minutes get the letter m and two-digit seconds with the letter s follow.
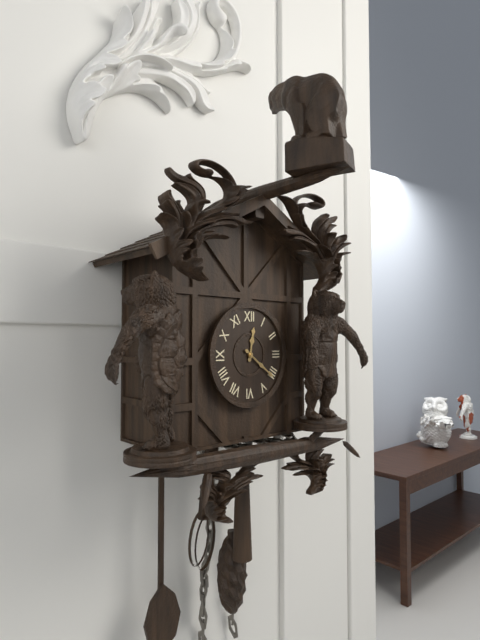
12h21
